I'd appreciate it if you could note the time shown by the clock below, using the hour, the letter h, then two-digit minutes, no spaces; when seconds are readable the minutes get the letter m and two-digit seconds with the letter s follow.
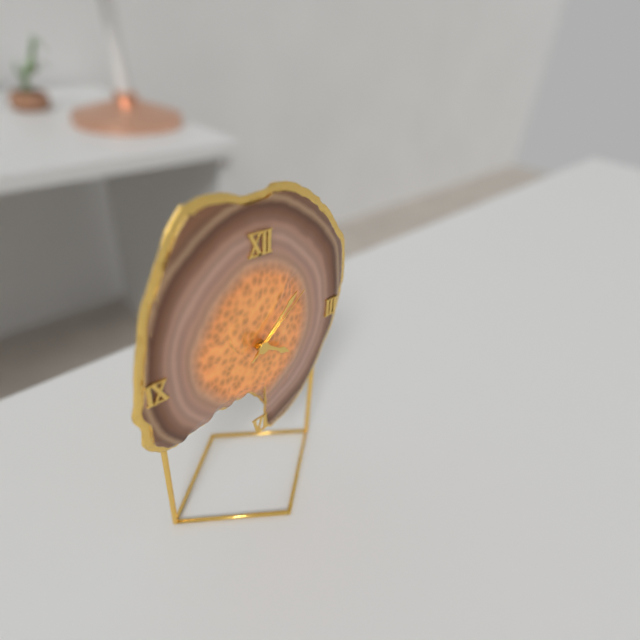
4h07m08s
